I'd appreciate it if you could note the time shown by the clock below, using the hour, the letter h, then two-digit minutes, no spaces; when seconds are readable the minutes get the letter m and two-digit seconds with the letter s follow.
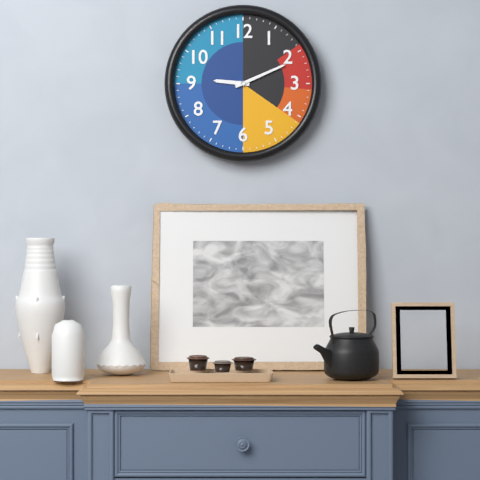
9h11
